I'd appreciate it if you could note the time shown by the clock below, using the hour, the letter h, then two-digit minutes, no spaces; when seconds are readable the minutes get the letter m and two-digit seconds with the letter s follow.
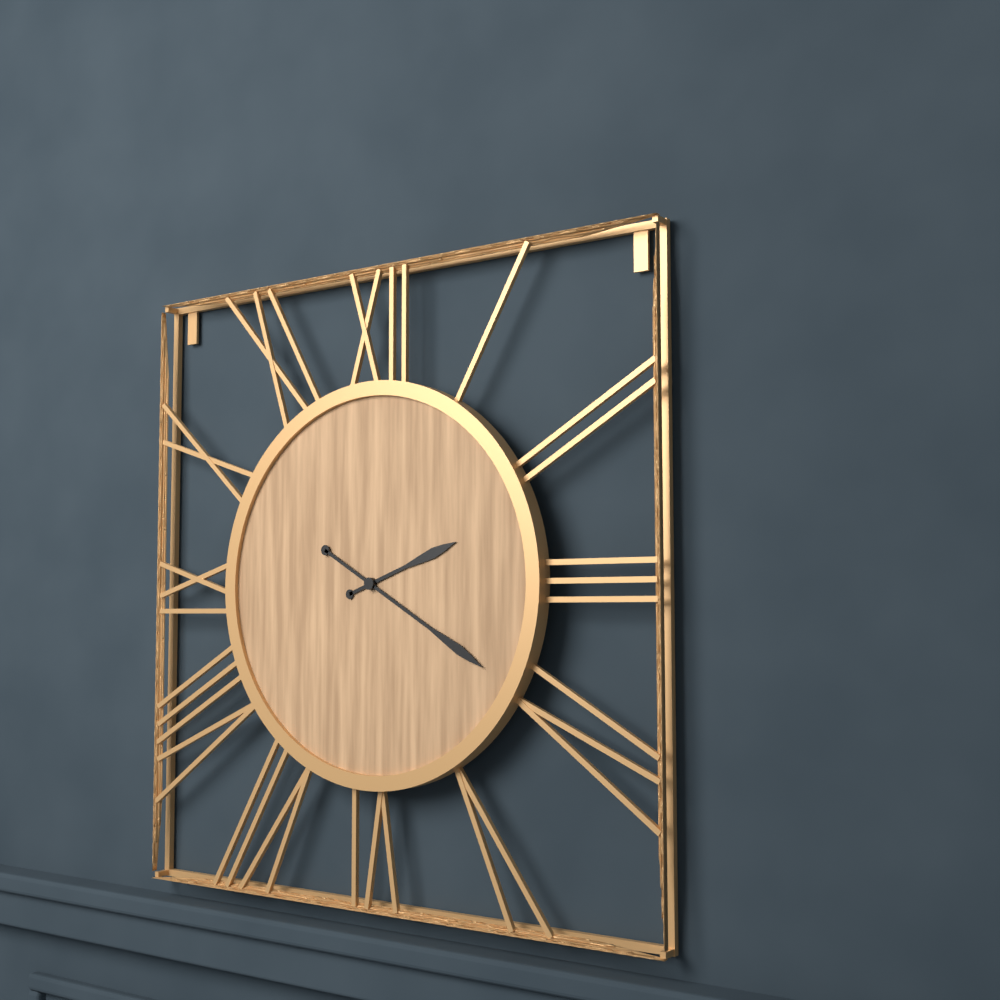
2h20
